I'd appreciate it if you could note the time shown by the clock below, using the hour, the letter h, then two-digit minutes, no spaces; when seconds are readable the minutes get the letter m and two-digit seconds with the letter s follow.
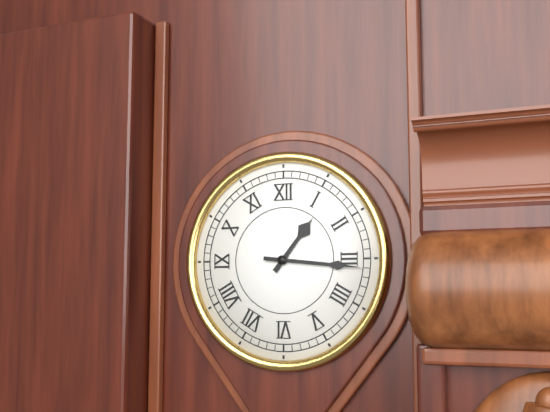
1h16
